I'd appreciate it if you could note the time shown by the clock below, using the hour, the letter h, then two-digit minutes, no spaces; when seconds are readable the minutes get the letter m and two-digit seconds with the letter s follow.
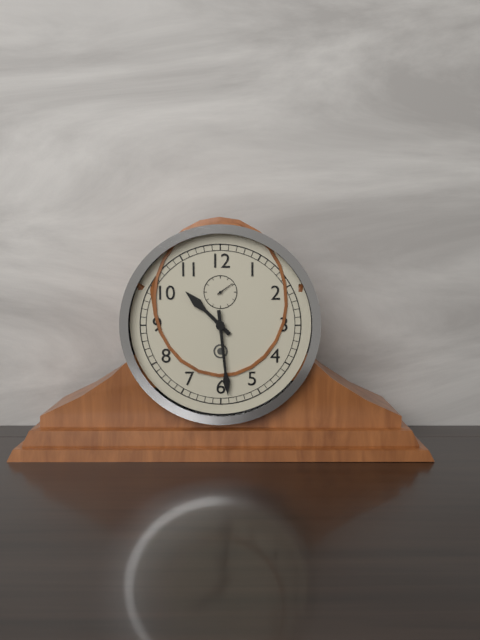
10h29
